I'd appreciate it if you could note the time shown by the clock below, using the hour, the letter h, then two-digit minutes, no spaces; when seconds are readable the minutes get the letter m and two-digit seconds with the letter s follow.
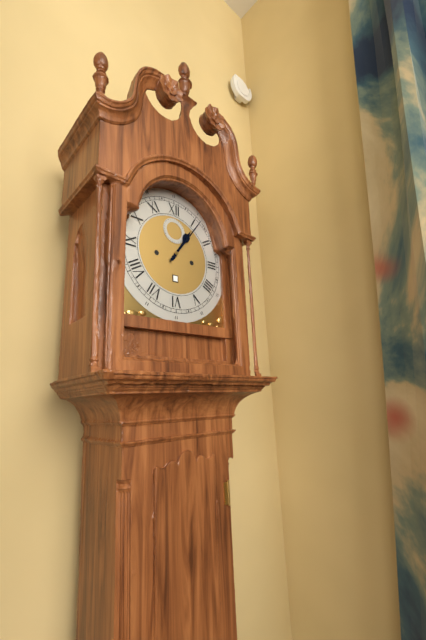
1h06
